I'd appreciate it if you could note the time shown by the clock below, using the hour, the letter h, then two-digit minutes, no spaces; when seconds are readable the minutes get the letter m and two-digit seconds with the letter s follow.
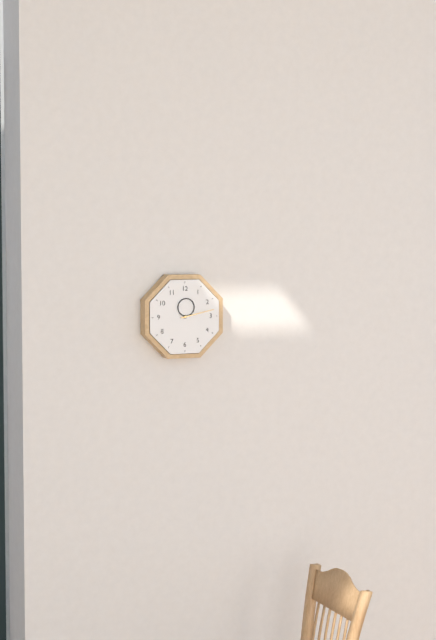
12h13
